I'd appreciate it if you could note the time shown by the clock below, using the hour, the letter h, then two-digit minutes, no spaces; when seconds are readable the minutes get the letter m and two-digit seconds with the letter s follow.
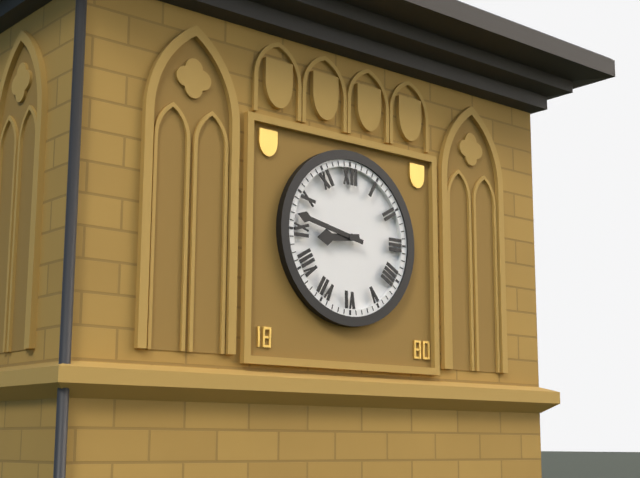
8h47
